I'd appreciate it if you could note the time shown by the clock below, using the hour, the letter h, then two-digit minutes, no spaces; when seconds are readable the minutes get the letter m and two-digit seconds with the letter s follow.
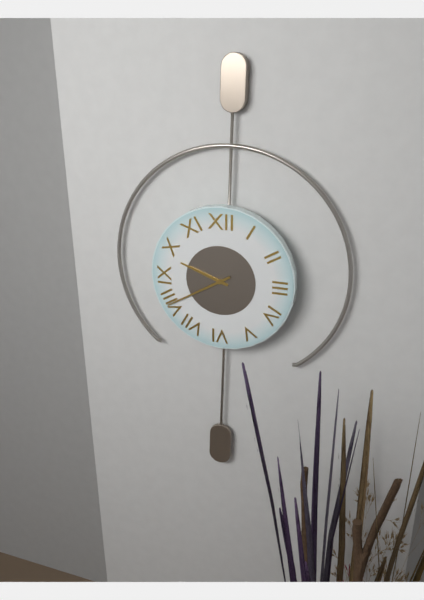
9h40
